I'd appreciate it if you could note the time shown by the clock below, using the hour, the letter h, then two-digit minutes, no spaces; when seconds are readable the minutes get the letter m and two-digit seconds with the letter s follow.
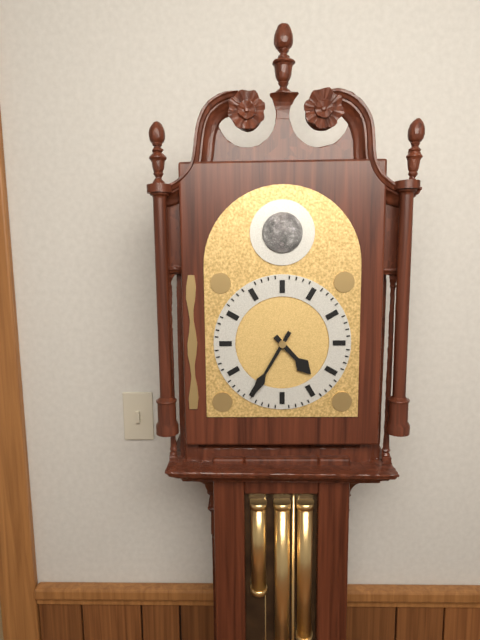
4h35
